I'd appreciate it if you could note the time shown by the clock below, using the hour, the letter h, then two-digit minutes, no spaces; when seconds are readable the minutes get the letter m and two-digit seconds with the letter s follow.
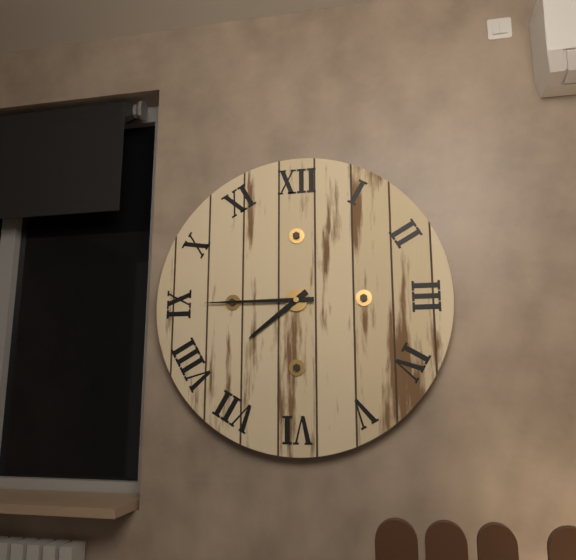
7h45
